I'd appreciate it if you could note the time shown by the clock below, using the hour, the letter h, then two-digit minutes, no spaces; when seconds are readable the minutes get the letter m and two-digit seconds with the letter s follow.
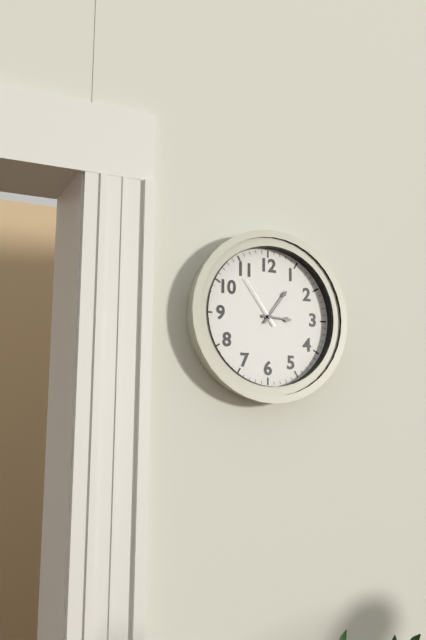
3h06m54s
